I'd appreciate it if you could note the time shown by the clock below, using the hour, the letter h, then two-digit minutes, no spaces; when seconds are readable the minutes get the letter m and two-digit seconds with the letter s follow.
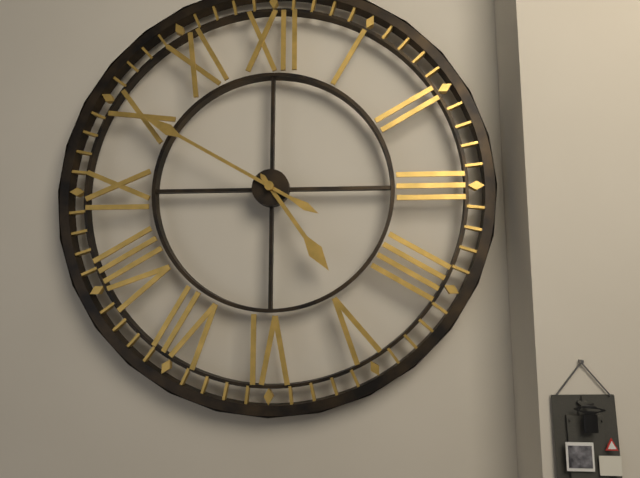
4h50
